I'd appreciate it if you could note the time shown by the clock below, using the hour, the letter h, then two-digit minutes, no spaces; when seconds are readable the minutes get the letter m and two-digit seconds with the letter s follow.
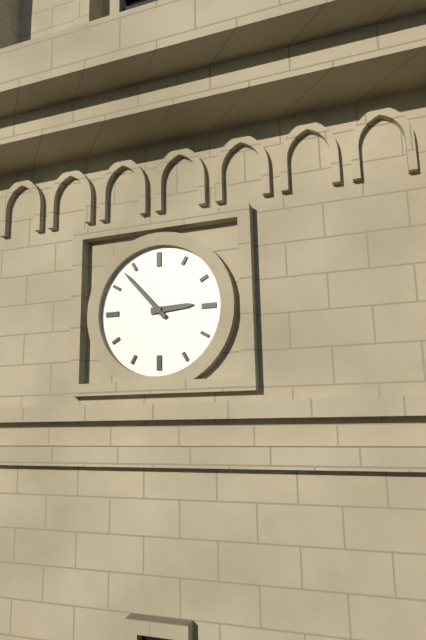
2h53
